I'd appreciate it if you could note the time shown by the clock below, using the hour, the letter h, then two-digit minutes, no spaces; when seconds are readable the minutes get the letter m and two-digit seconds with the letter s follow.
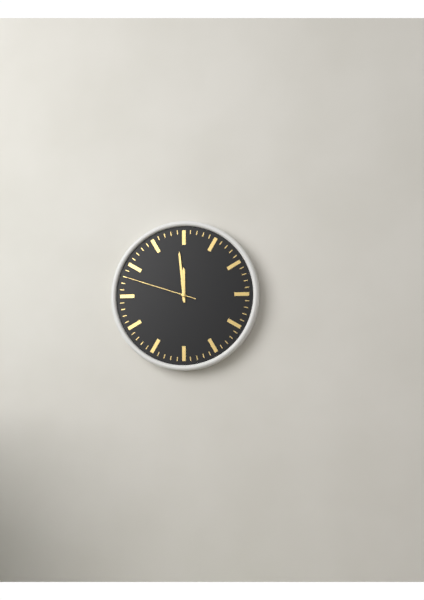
11h59m48s
